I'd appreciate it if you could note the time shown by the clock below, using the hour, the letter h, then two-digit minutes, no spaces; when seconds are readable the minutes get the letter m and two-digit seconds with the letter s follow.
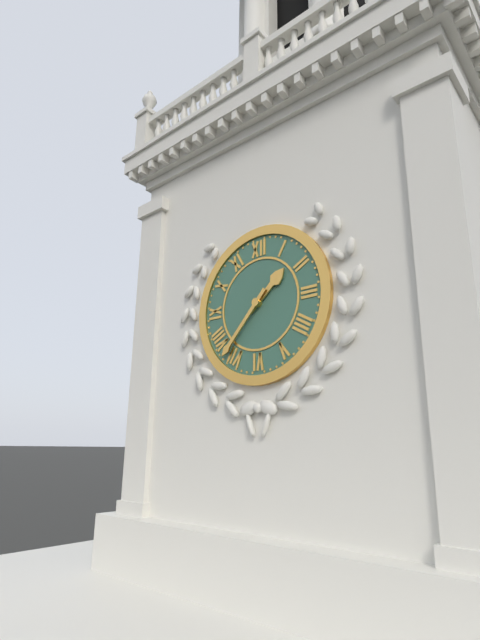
1h37
